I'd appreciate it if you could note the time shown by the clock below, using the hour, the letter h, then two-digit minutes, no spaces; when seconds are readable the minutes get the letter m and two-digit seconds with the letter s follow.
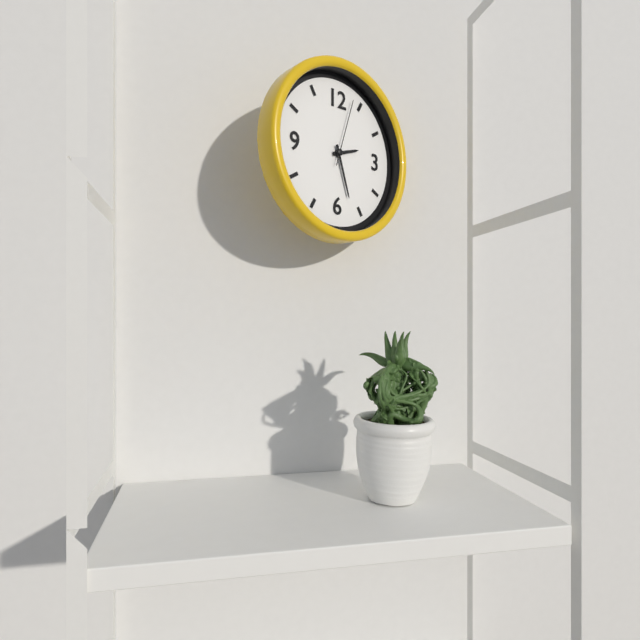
2h27m03s
